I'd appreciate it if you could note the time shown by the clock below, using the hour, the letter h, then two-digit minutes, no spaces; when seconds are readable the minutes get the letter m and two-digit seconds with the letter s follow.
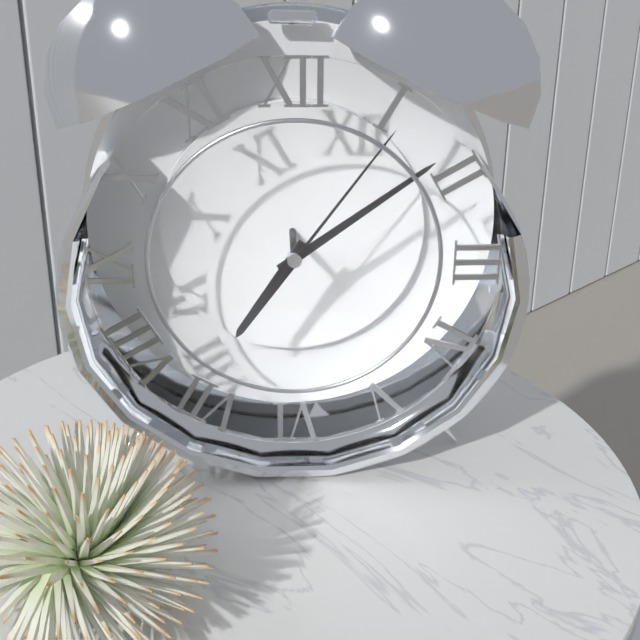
7h09m06s
